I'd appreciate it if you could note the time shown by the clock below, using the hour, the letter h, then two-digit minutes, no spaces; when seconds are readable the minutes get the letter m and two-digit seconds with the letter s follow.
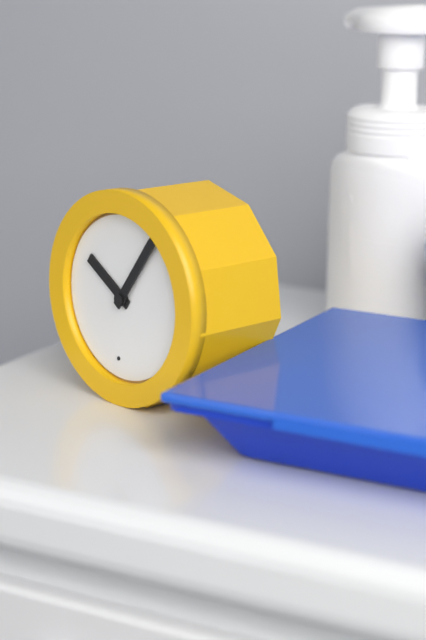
10h06
